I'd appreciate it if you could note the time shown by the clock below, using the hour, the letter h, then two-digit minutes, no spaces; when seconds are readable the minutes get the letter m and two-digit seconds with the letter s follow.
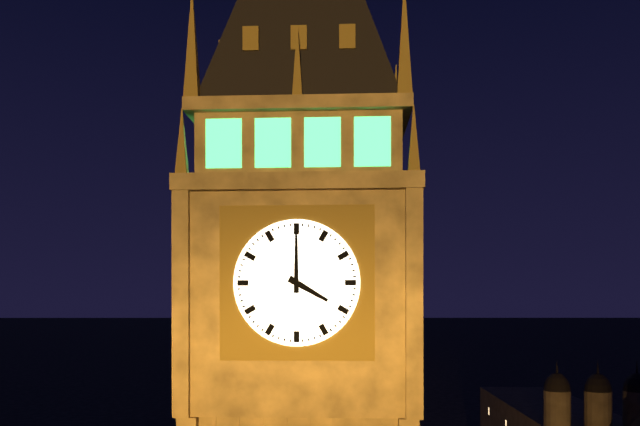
4h00
